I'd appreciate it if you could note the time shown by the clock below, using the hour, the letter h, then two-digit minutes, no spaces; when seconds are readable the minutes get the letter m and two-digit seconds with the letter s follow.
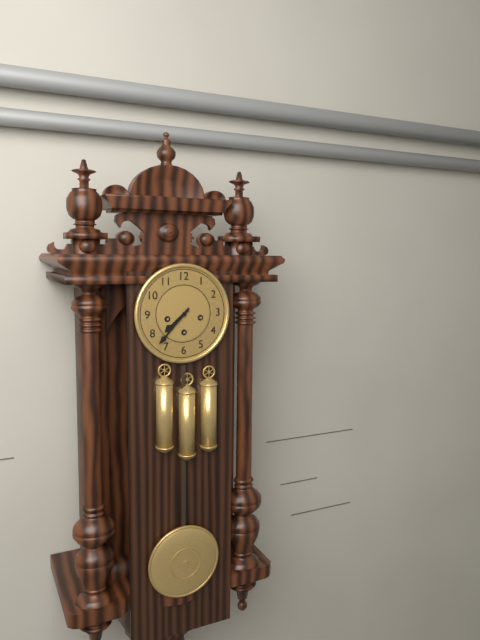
7h37
